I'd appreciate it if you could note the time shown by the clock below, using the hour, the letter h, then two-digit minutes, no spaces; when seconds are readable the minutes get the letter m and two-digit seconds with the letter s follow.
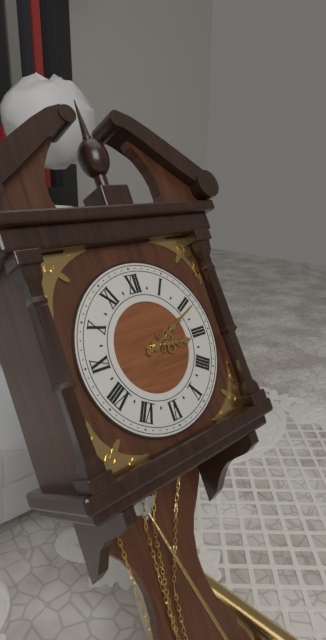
3h11
